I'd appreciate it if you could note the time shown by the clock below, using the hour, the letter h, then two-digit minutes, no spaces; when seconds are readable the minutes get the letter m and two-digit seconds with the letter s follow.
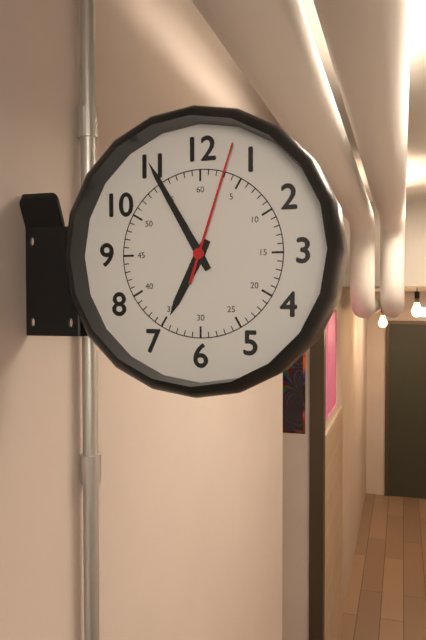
6h55m03s
